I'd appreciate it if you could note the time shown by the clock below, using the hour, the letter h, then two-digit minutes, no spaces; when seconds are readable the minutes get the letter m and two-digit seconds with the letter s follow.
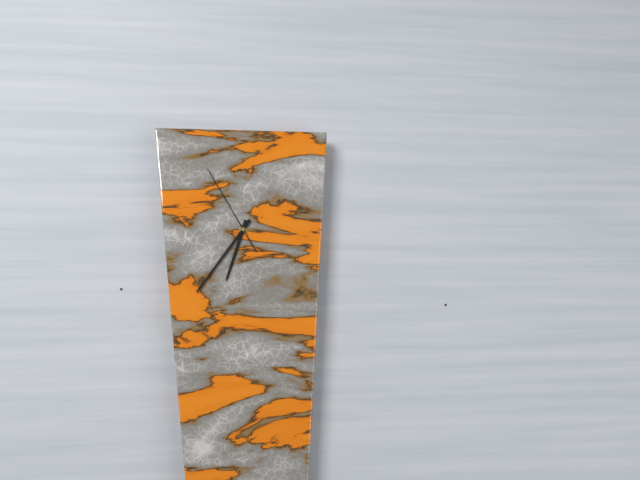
6h36m55s
